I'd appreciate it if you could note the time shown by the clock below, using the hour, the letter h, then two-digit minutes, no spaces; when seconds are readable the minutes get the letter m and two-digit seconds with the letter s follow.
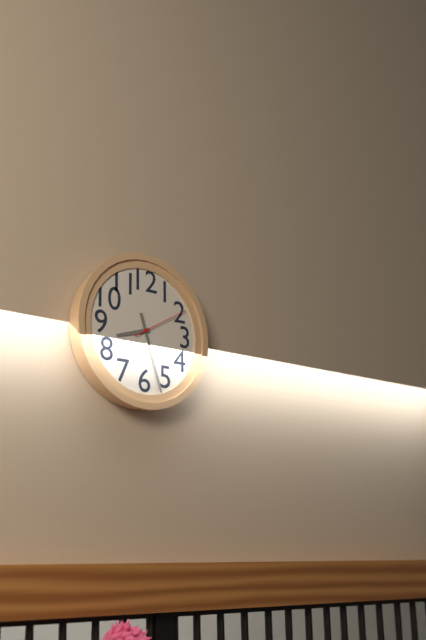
8h27m10s
